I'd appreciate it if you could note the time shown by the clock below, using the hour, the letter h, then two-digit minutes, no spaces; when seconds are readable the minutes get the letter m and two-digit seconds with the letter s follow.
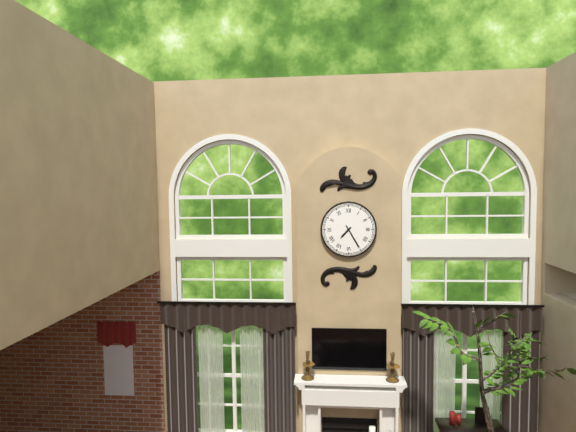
7h25
